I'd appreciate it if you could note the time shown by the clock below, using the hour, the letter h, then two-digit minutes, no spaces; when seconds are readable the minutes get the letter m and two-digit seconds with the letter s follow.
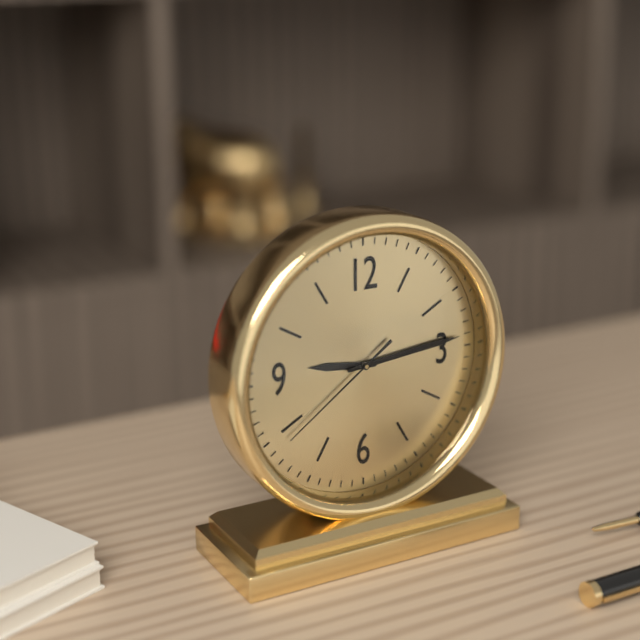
9h14m39s
